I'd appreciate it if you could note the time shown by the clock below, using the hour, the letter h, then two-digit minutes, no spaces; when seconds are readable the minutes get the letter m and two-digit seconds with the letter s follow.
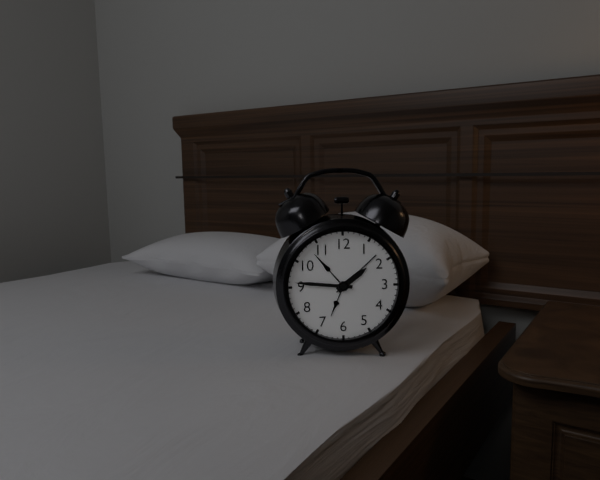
1h46
